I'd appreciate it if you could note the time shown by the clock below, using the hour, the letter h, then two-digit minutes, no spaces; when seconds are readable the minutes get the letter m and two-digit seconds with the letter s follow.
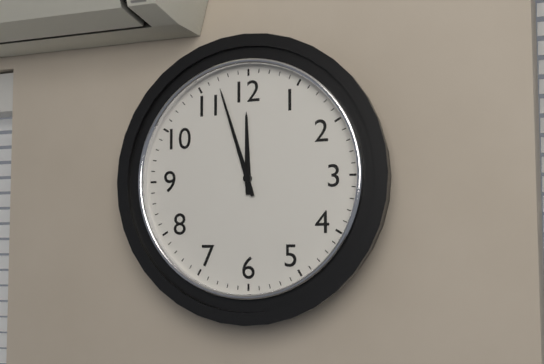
11h57
